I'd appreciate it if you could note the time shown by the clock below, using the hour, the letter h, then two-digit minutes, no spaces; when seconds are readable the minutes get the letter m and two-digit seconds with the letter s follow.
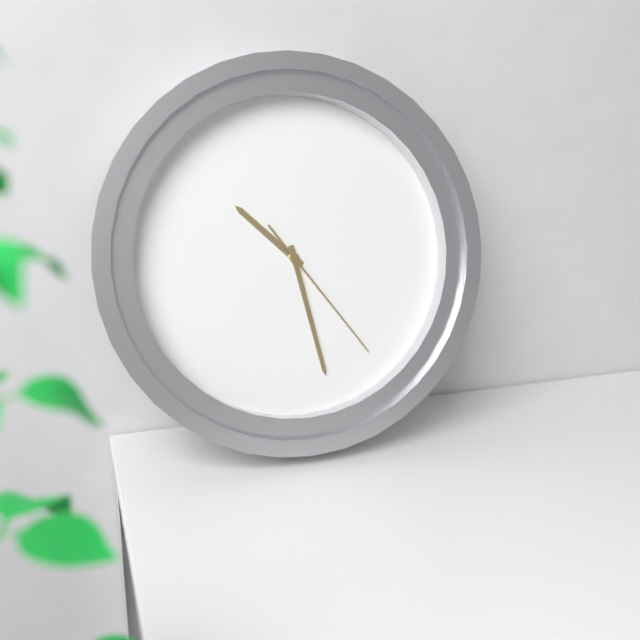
10h28m24s
